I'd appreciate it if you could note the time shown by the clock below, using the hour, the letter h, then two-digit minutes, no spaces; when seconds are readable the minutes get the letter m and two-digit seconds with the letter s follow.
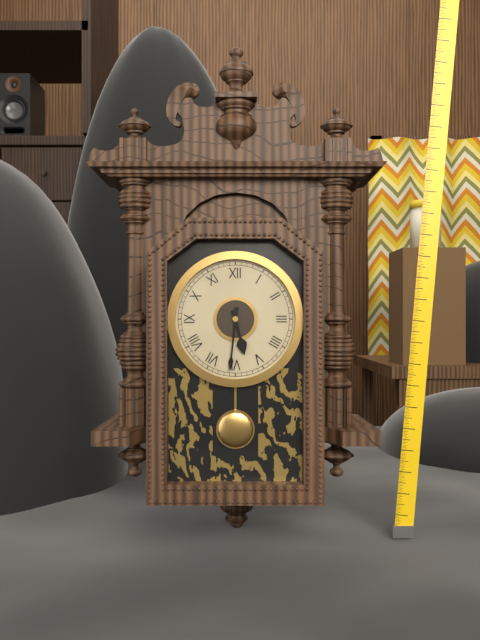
5h31
